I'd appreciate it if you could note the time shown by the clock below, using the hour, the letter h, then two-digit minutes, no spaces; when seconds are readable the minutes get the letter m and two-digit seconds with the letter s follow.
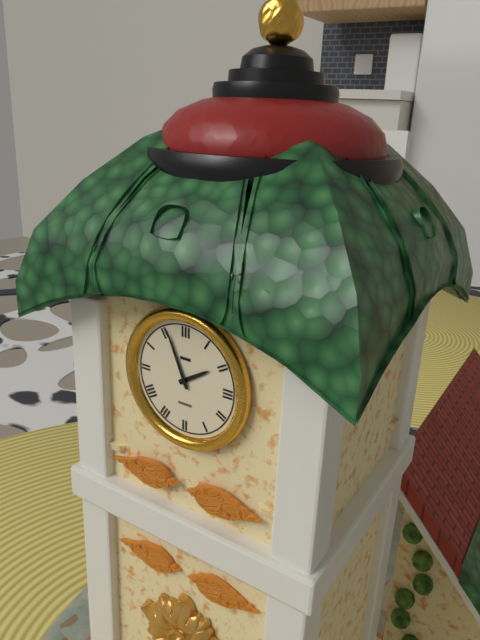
1h56
